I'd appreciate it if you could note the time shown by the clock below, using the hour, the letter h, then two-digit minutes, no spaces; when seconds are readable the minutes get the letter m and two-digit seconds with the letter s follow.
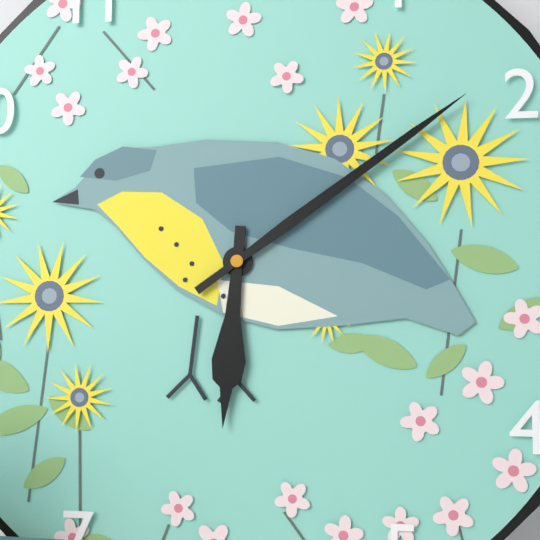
6h09
